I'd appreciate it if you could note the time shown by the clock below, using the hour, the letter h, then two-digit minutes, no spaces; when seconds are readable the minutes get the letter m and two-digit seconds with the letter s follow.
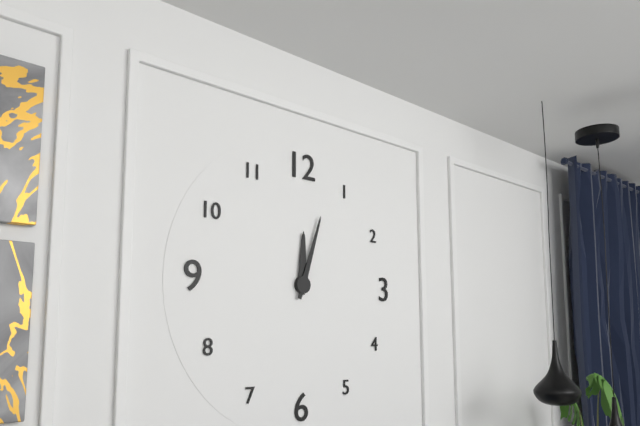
12h03
